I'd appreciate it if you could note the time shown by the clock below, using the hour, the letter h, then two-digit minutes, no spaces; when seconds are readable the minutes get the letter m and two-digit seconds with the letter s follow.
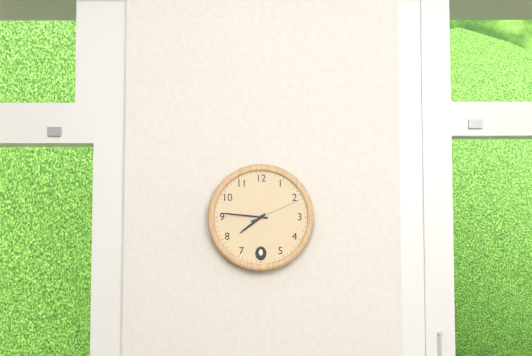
7h46m11s
